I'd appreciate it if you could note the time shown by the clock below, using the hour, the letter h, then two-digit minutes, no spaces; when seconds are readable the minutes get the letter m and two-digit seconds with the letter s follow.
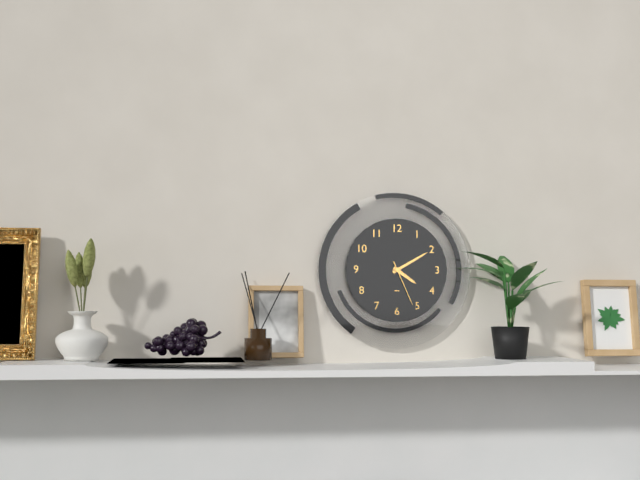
4h10
